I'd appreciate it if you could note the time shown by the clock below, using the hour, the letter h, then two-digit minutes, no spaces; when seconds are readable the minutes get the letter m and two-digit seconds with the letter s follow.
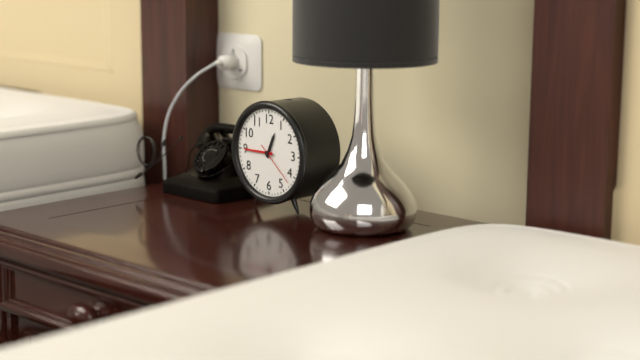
12h45
